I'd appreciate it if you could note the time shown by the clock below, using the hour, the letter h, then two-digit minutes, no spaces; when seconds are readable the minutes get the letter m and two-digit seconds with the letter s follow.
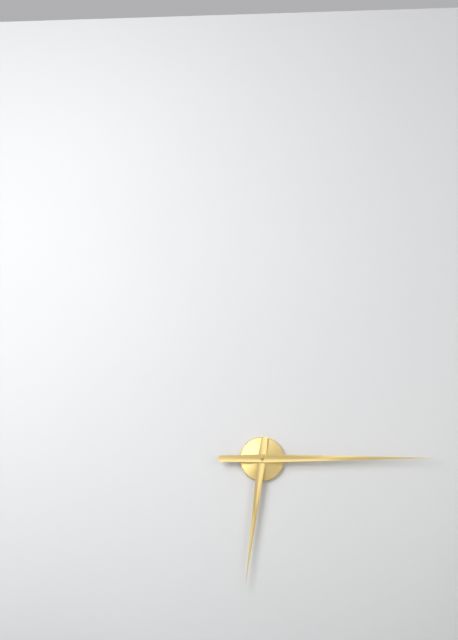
6h15
